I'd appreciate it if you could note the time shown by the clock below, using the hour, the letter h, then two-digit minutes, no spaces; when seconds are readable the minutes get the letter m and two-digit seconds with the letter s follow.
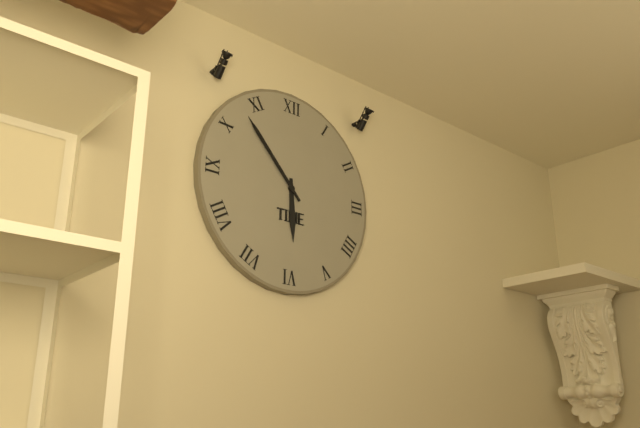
5h53
